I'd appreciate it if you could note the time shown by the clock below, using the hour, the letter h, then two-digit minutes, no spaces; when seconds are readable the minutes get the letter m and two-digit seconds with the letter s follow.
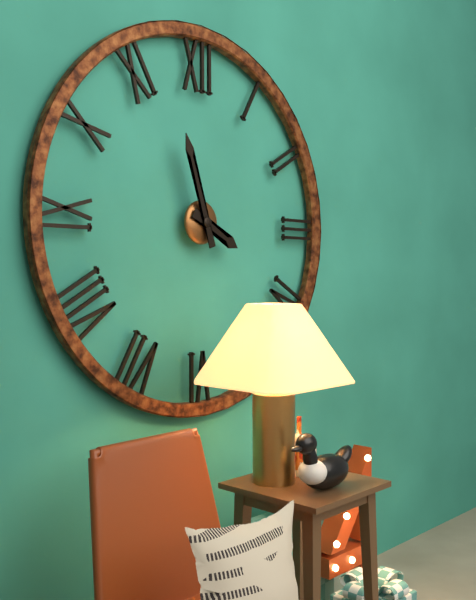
3h57
